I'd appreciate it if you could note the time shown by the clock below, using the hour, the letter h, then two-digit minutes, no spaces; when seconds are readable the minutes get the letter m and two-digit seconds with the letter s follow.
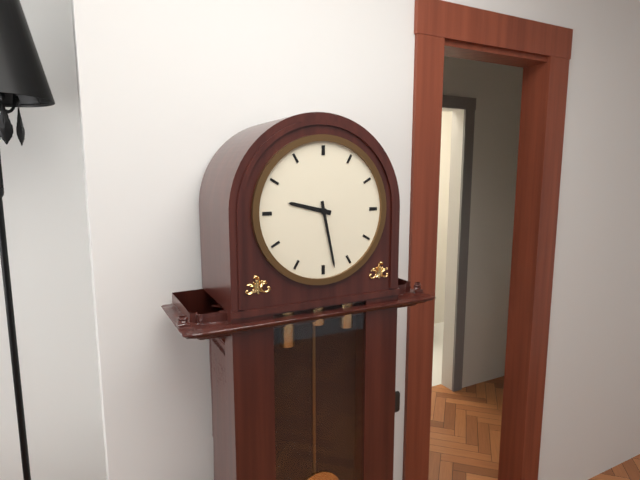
9h28
